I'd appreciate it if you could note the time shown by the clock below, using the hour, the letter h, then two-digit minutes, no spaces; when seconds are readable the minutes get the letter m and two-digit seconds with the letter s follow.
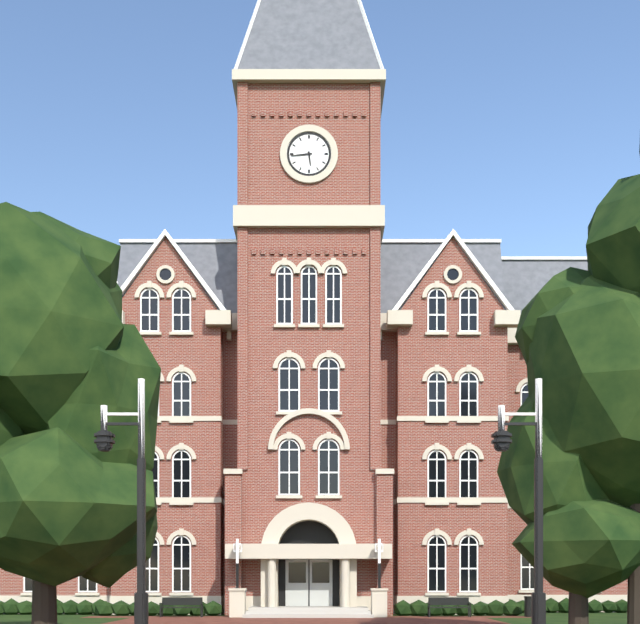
5h44
